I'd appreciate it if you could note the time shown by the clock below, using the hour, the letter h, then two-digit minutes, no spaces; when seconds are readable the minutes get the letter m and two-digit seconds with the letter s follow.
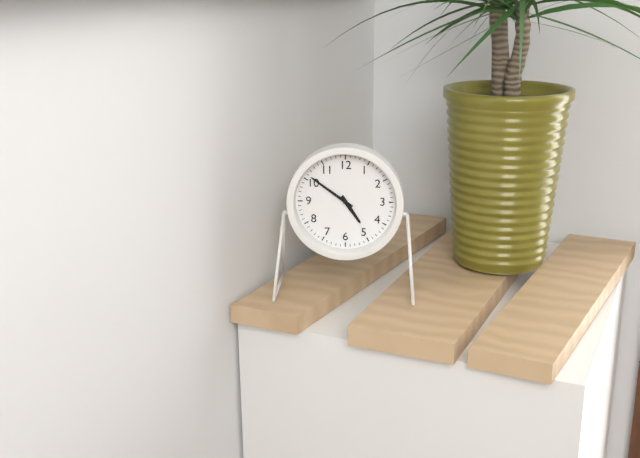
4h51
